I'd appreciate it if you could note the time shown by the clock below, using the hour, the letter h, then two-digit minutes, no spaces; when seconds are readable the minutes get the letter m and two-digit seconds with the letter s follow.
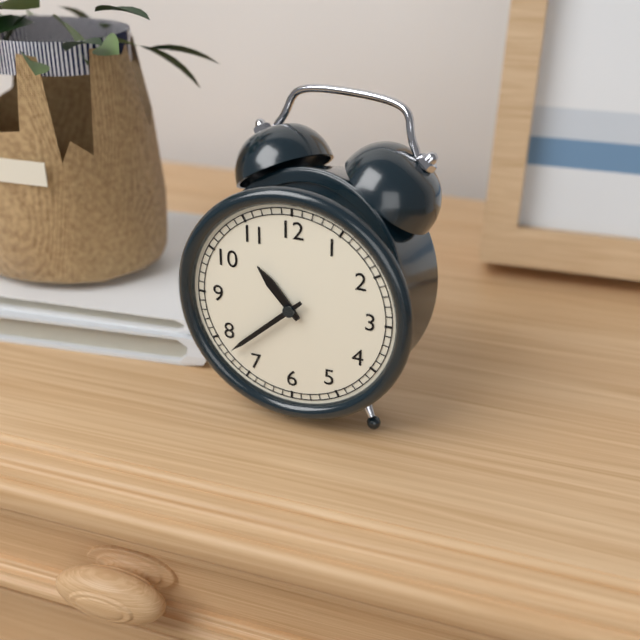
10h38
